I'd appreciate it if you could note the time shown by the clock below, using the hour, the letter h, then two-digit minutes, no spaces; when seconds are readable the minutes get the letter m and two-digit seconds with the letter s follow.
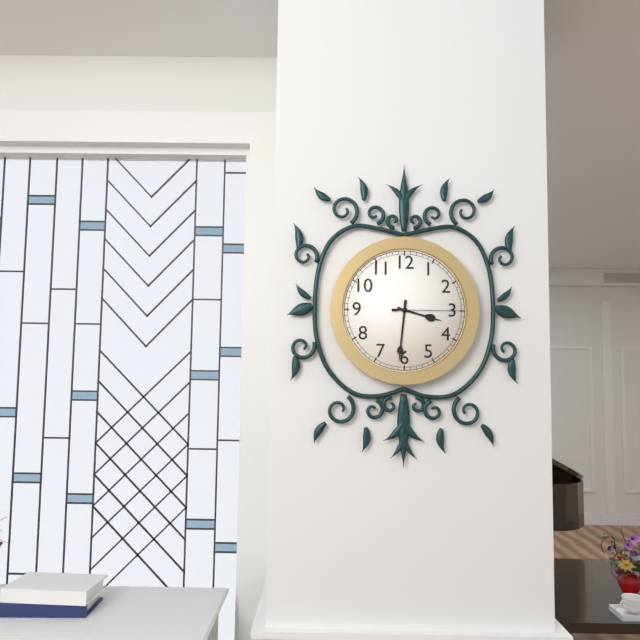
3h31m15s
